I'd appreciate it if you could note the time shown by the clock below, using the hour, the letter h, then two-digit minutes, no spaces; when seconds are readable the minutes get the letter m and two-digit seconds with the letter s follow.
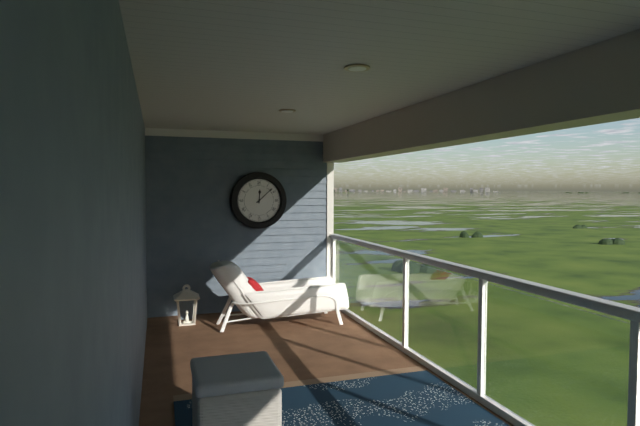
12h08
